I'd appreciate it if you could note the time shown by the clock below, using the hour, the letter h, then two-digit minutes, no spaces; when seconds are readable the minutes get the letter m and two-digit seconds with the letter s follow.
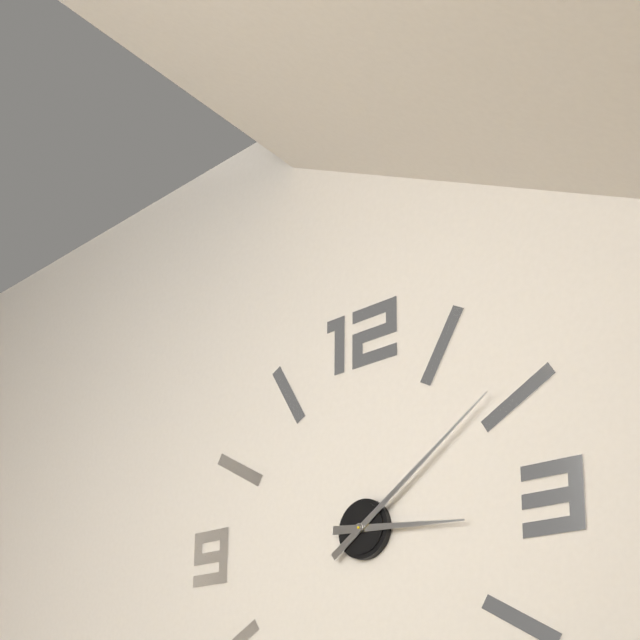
3h09
